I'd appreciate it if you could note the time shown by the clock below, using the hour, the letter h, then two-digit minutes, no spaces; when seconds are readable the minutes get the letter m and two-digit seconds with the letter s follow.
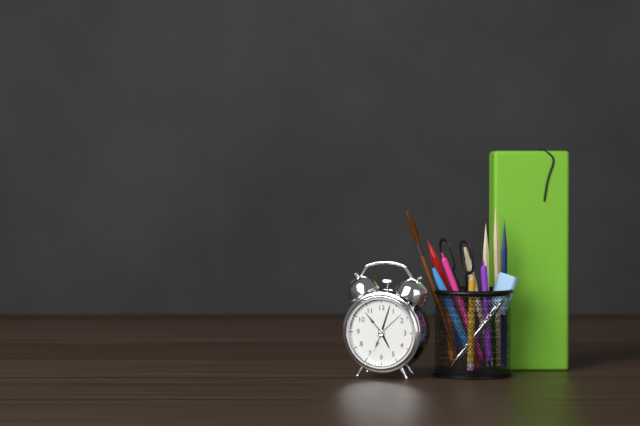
5h03
